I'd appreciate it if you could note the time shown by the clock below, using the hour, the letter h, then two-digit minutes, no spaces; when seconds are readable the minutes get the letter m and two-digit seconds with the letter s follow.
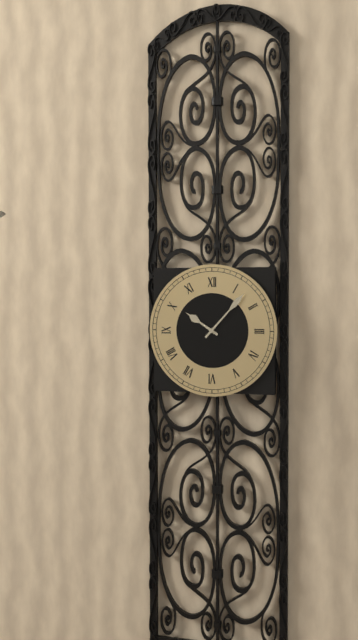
10h07
